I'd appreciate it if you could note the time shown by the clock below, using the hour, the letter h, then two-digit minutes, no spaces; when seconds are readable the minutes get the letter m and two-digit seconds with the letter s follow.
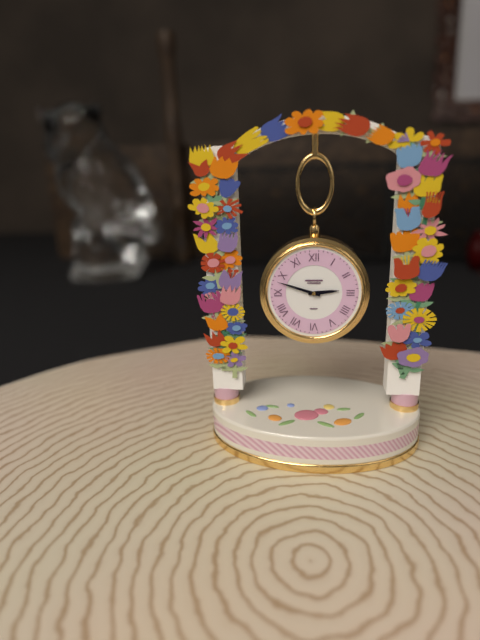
2h48
